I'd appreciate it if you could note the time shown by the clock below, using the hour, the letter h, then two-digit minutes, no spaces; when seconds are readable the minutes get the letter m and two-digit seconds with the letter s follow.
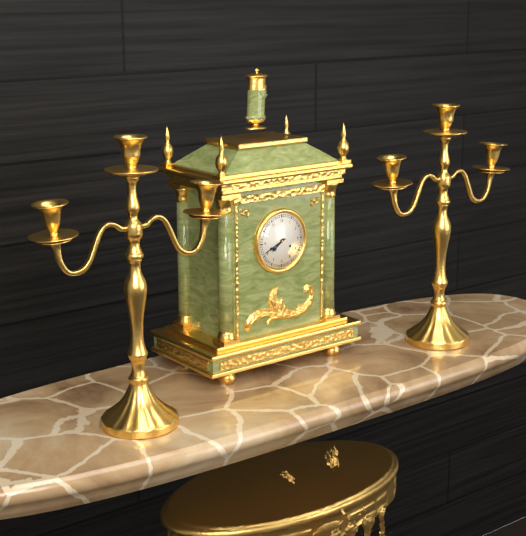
7h41
